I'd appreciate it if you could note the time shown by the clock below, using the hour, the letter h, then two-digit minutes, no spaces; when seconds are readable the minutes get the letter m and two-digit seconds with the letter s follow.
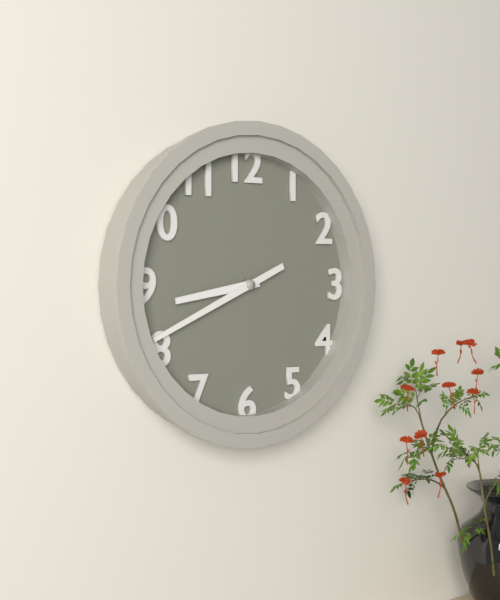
8h41
